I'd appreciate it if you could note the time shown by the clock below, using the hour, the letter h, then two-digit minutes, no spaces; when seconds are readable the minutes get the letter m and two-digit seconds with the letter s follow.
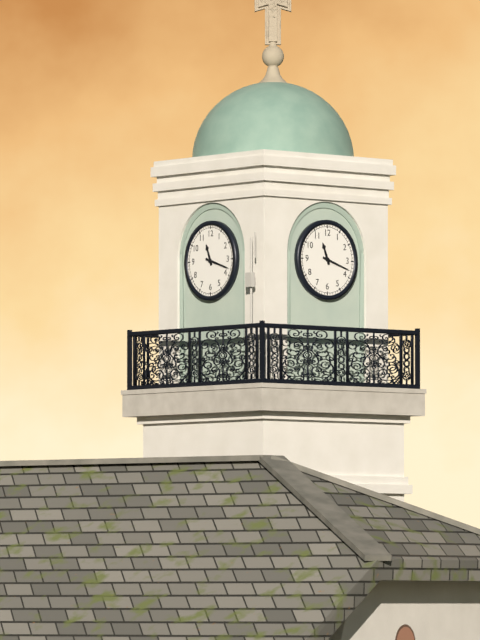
11h18
